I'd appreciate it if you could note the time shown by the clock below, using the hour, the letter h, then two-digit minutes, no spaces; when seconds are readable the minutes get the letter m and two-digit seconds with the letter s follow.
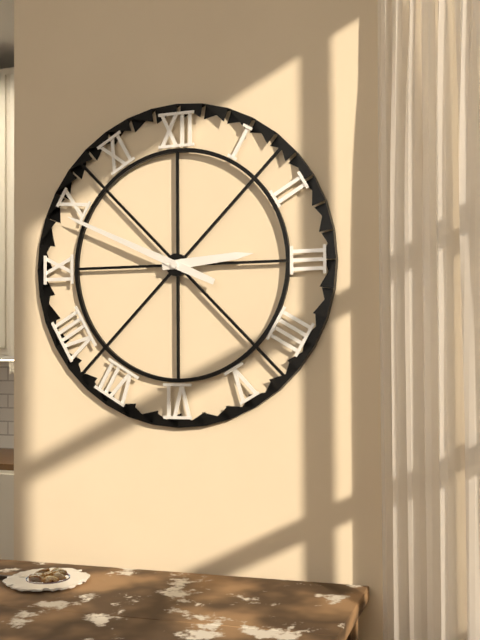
2h49
